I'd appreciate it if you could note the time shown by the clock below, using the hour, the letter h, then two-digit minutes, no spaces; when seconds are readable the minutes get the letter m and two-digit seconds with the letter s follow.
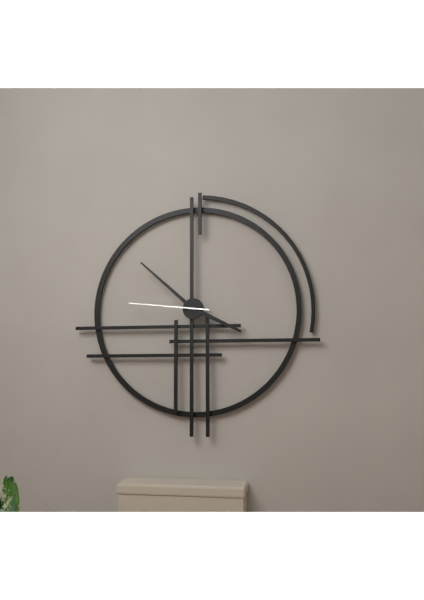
3h52m46s
